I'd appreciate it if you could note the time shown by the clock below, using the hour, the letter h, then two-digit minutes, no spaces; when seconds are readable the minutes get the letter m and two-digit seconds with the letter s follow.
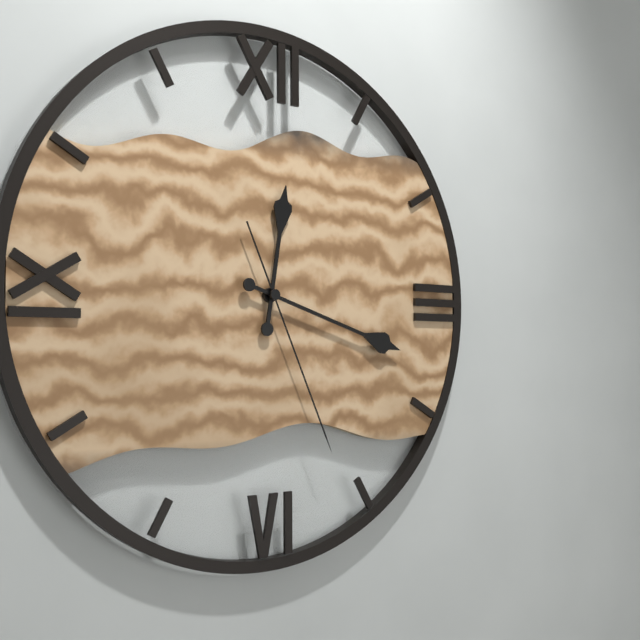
12h18m26s
